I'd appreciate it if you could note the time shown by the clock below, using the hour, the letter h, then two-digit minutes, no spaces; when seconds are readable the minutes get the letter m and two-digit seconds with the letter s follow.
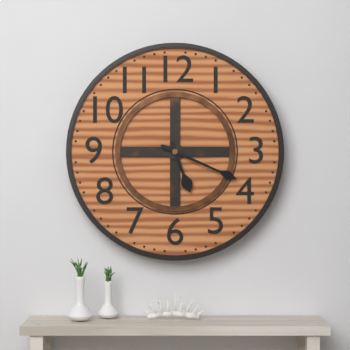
5h19
